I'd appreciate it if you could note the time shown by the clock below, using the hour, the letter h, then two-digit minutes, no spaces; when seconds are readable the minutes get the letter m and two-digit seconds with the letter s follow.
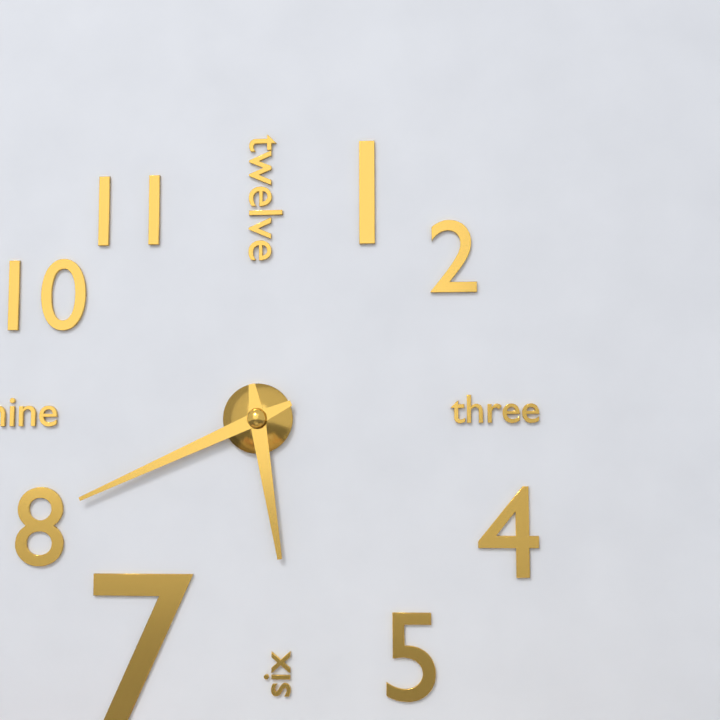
5h41
